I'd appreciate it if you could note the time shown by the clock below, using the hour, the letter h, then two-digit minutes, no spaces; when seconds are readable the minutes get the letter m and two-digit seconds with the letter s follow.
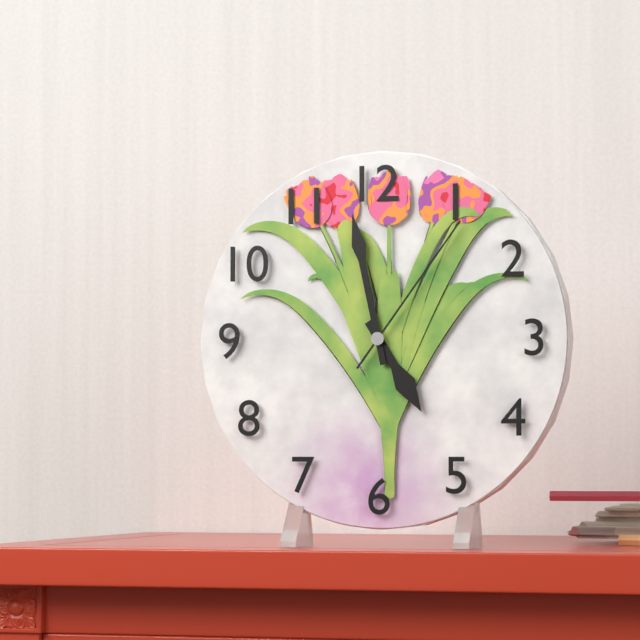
4h58m06s
